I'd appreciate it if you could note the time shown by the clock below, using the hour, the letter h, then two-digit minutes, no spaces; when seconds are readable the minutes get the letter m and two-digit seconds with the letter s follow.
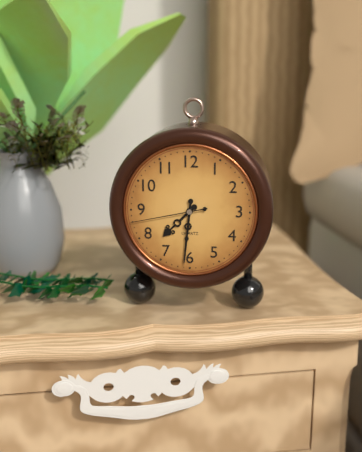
7h31m43s
